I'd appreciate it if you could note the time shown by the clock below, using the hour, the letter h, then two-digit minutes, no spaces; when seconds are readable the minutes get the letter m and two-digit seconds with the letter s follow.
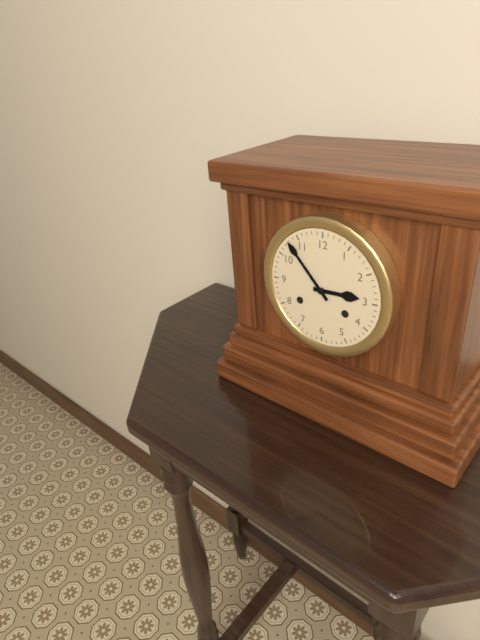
2h53
